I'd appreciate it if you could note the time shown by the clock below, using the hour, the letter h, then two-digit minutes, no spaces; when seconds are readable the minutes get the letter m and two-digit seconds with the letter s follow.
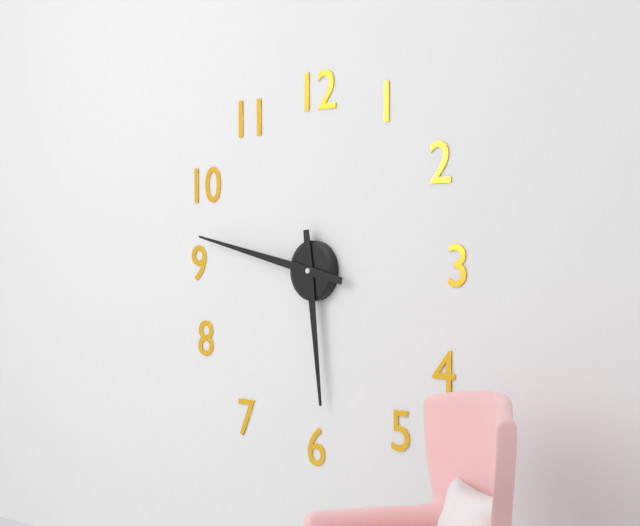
5h47
